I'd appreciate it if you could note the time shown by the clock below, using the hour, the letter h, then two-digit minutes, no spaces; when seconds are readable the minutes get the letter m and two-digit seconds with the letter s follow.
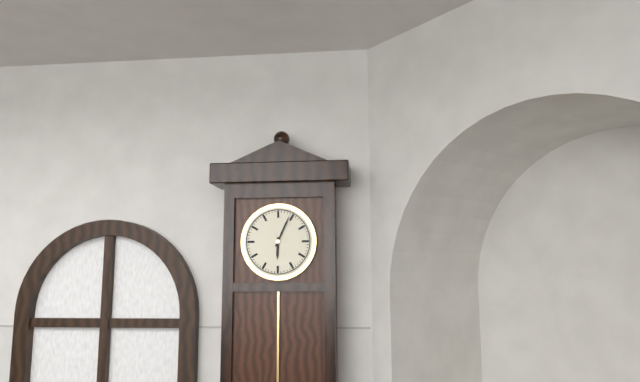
6h04
